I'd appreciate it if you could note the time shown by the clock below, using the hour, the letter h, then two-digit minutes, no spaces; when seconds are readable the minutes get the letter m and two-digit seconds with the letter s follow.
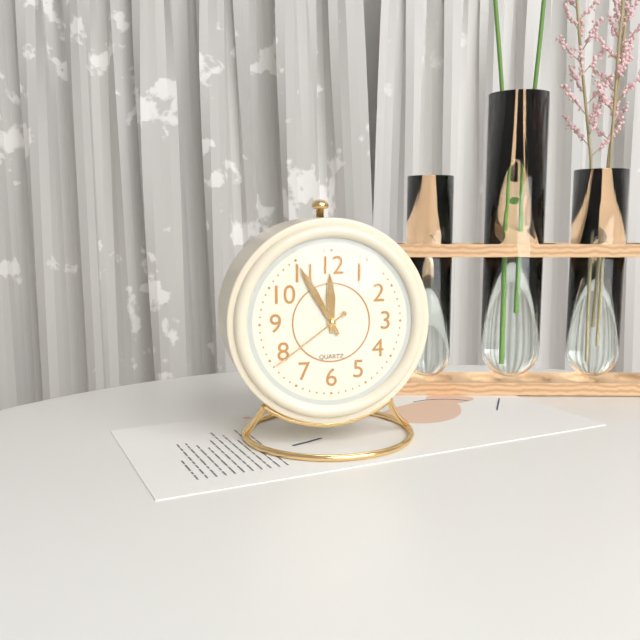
11h55m39s
